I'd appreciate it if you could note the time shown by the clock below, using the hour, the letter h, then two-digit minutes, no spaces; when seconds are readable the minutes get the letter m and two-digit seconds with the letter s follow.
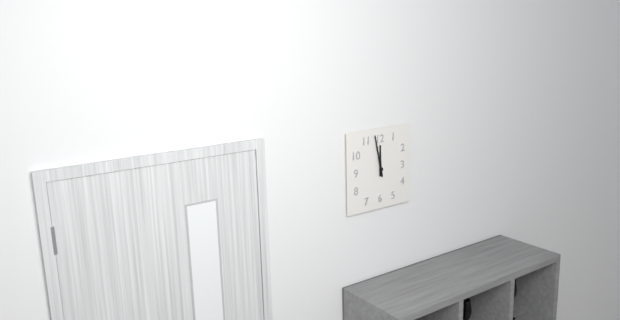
11h58
